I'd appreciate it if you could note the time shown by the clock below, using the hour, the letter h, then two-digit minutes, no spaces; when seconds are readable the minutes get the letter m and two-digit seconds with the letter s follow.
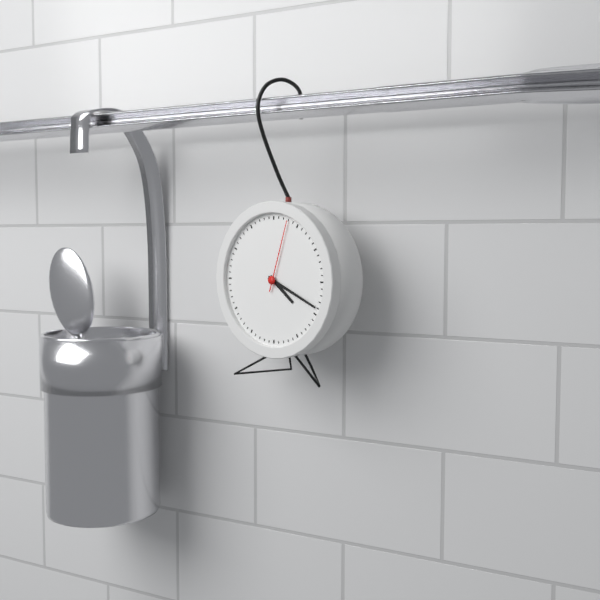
4h19m03s
